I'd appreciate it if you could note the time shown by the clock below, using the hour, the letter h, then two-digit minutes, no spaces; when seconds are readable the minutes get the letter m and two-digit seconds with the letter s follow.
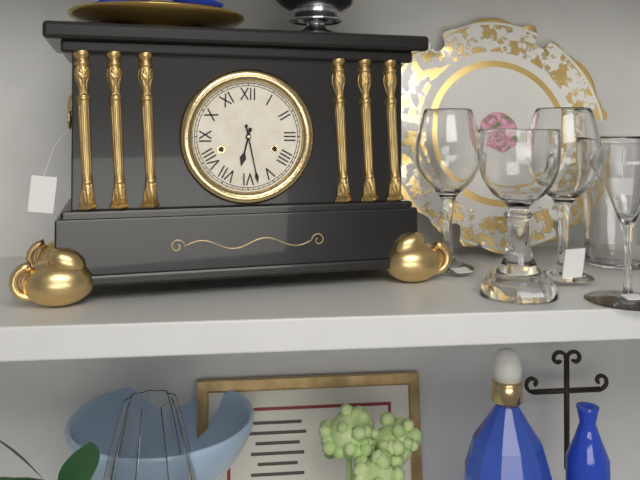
6h28
